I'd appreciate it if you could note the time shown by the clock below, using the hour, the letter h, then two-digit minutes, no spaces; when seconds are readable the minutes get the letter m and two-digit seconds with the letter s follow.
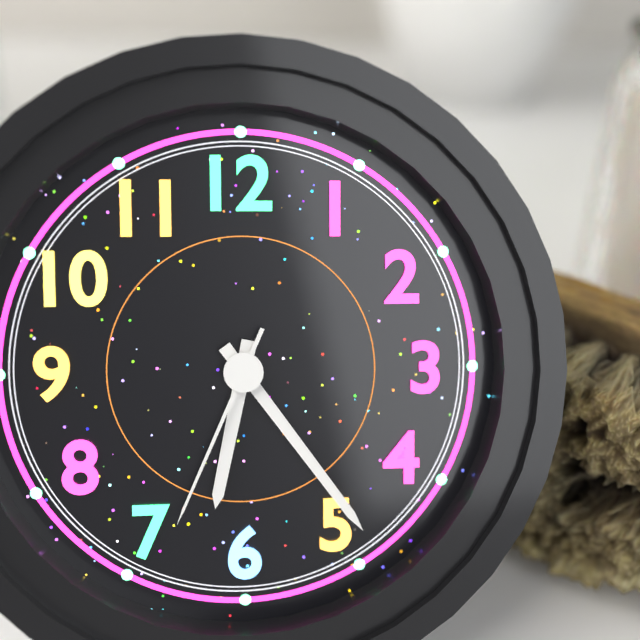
6h24m34s
